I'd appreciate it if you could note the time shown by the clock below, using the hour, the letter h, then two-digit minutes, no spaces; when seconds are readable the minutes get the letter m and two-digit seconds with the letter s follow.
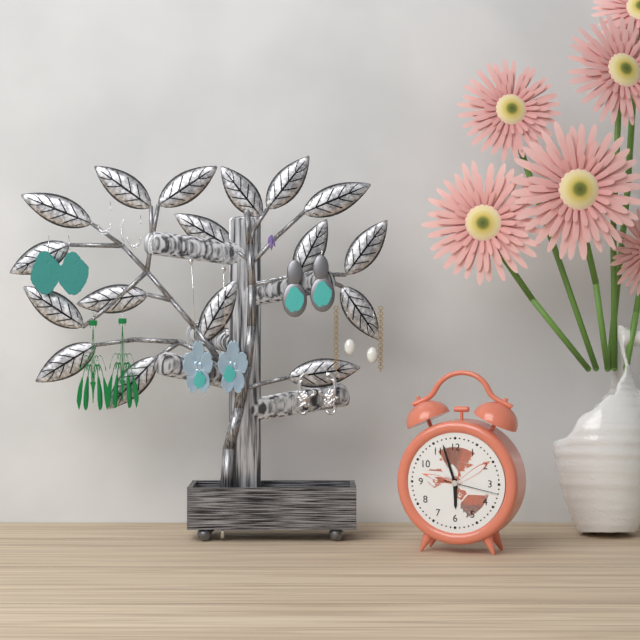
5h57m17s
